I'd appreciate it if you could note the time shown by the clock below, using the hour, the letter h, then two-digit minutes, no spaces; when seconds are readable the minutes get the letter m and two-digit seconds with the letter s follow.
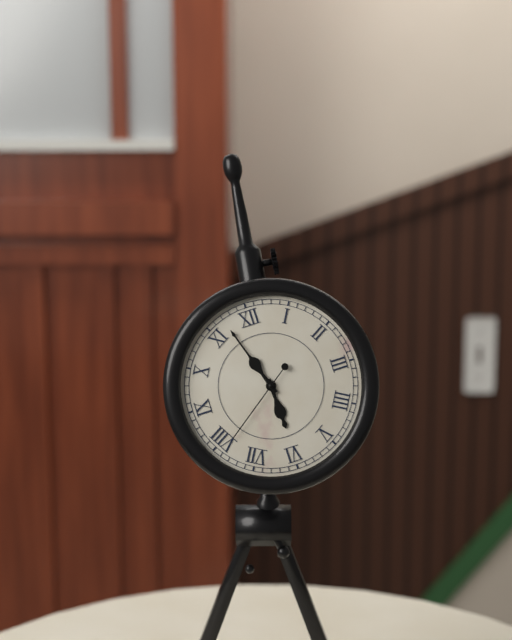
5h57m39s
